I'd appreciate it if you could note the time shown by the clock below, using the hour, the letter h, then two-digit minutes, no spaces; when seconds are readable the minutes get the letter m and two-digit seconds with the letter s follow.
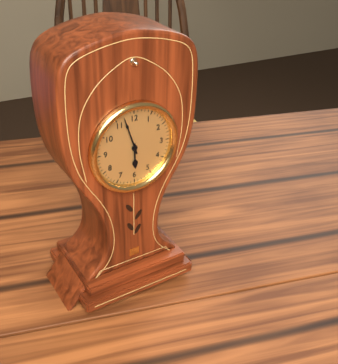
5h57
